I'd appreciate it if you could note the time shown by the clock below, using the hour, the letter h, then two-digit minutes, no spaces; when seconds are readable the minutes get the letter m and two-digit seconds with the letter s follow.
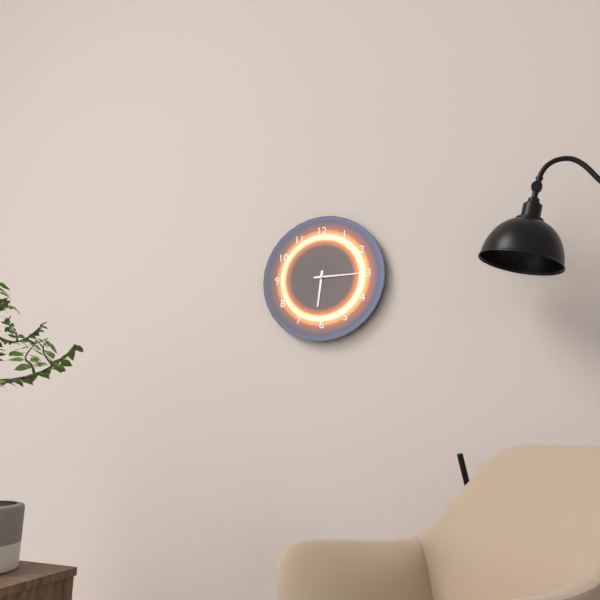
6h15
